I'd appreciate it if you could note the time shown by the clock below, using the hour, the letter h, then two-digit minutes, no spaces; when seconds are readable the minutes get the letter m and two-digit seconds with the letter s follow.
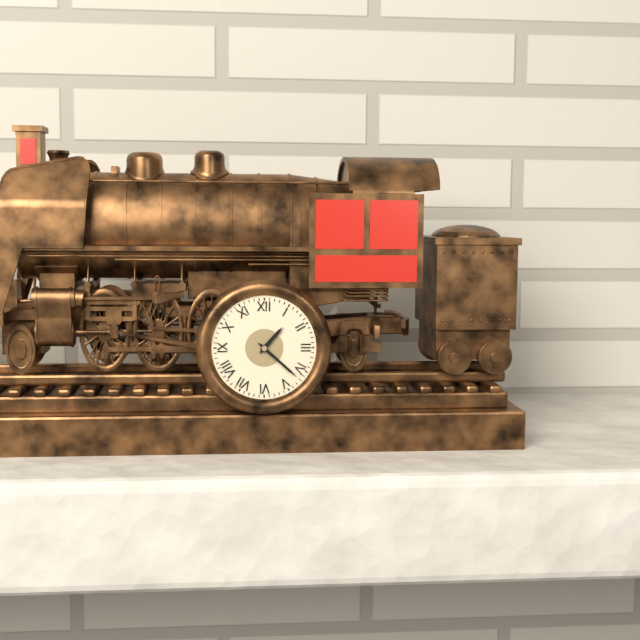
1h22
